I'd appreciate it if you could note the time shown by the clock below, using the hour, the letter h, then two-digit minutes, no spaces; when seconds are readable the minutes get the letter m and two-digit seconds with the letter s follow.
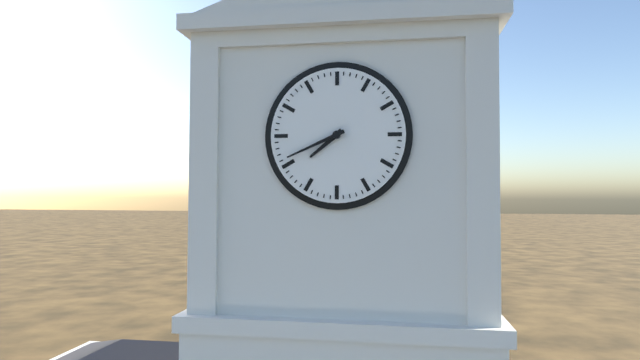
7h41
